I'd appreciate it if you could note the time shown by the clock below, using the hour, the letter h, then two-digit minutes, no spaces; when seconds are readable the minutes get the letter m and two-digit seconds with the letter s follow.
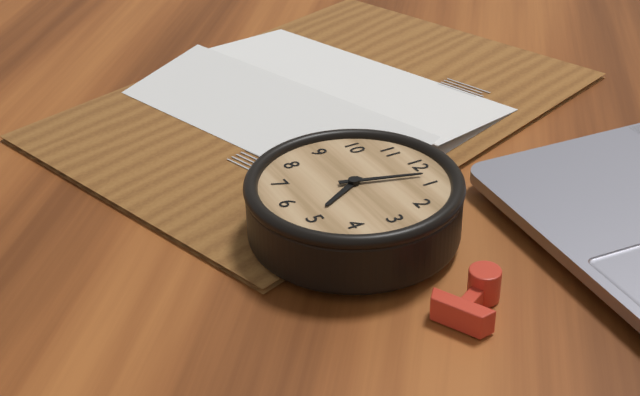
5h03
